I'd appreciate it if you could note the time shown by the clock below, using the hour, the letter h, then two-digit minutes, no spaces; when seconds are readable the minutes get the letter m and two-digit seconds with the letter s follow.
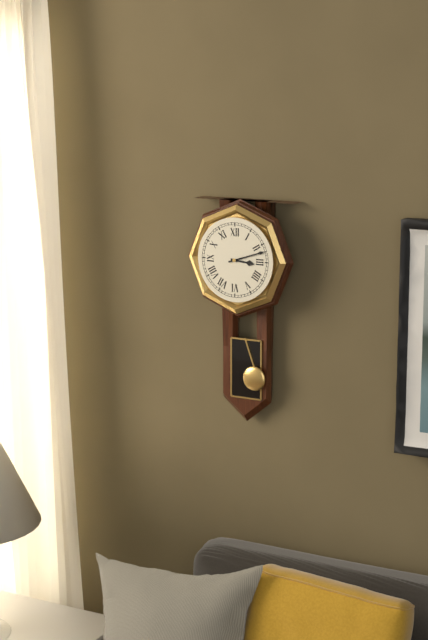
3h12
